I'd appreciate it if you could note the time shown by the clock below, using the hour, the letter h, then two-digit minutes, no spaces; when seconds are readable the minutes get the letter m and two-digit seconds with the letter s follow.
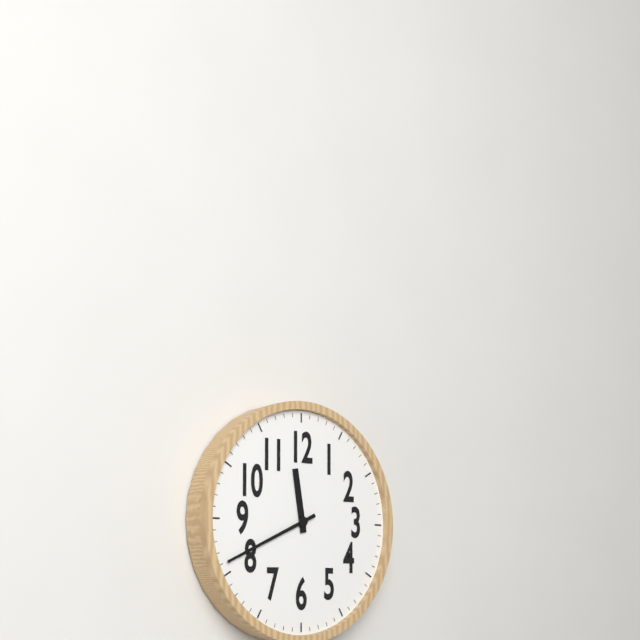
11h41
